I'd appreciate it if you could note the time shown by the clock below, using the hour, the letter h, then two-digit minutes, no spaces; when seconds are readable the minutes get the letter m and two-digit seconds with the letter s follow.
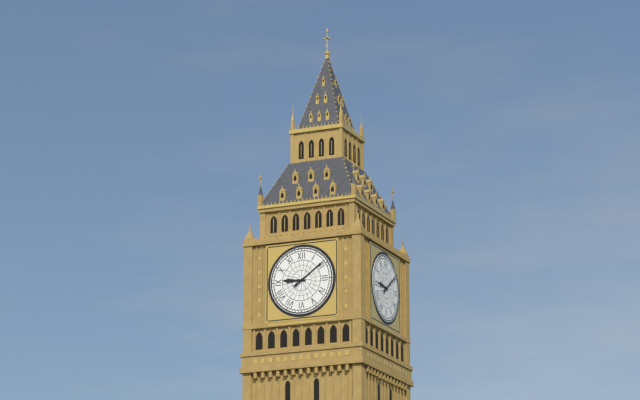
9h09
